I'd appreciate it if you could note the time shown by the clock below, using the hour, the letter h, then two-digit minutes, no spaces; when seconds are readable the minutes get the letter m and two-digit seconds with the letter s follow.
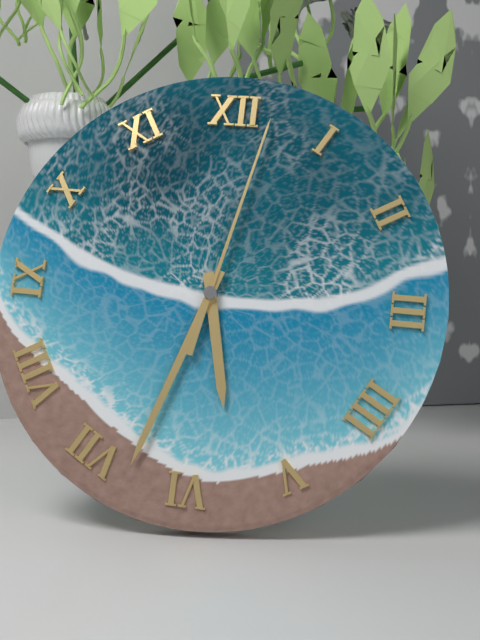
5h33m02s
